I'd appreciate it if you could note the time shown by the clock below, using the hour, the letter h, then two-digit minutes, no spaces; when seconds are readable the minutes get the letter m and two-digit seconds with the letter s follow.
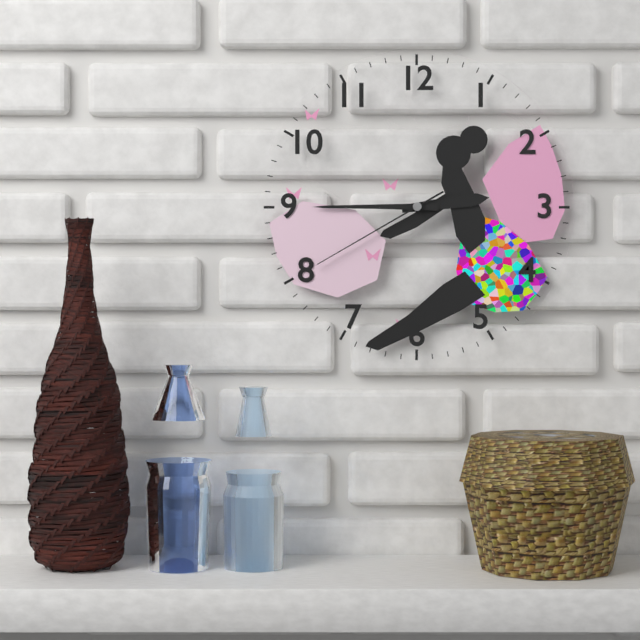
2h45m40s
